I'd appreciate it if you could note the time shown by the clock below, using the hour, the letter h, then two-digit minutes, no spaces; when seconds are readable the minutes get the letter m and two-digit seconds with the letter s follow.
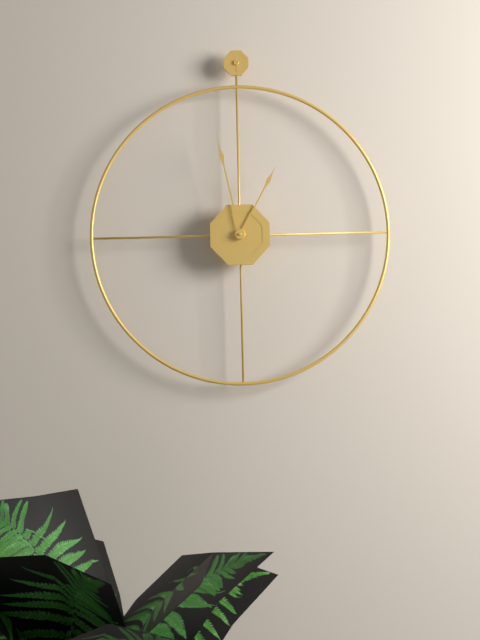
12h58
